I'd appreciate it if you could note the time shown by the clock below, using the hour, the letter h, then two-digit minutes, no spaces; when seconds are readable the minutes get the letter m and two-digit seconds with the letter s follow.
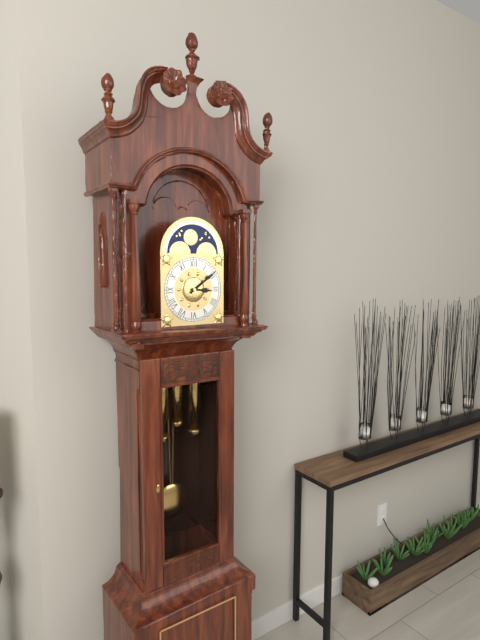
3h09
